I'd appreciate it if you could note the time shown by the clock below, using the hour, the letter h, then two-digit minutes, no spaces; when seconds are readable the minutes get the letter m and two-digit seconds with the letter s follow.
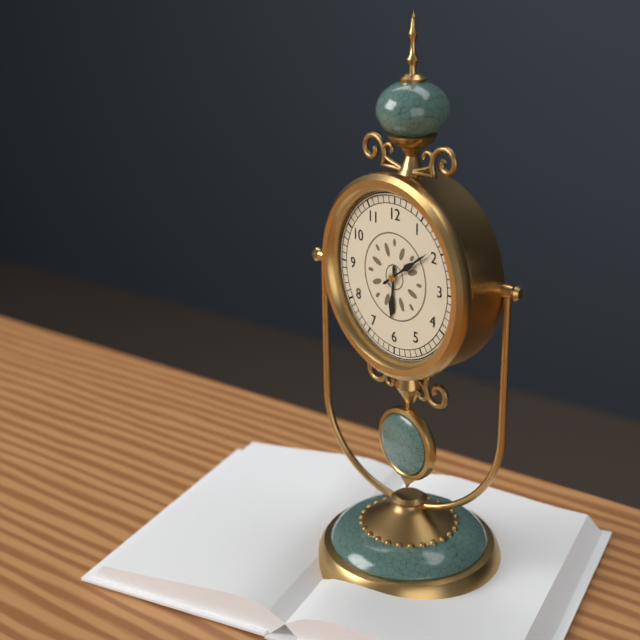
6h09
